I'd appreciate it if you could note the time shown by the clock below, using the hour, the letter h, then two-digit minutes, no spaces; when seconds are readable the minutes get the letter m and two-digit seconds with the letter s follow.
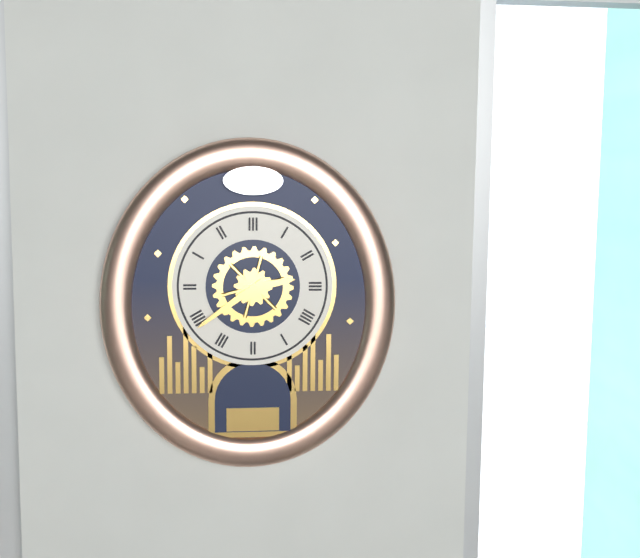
2h39
